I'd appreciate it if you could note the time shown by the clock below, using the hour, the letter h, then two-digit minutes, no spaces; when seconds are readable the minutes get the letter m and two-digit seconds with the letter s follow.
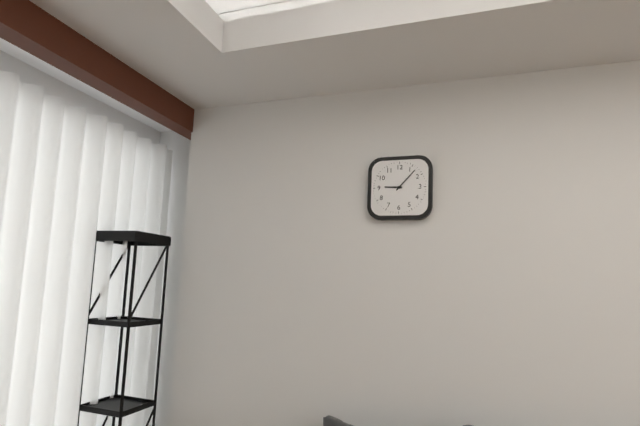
9h07
